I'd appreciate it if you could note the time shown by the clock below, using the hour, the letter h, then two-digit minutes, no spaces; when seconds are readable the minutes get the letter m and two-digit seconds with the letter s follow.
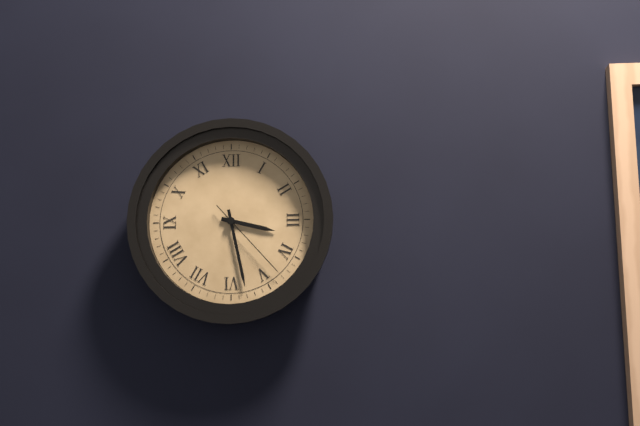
3h28m23s
